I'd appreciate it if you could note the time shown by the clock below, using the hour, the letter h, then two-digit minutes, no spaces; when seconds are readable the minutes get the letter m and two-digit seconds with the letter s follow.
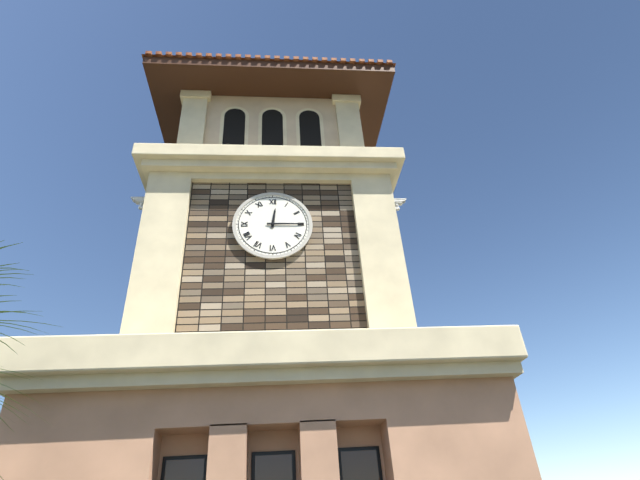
12h15
